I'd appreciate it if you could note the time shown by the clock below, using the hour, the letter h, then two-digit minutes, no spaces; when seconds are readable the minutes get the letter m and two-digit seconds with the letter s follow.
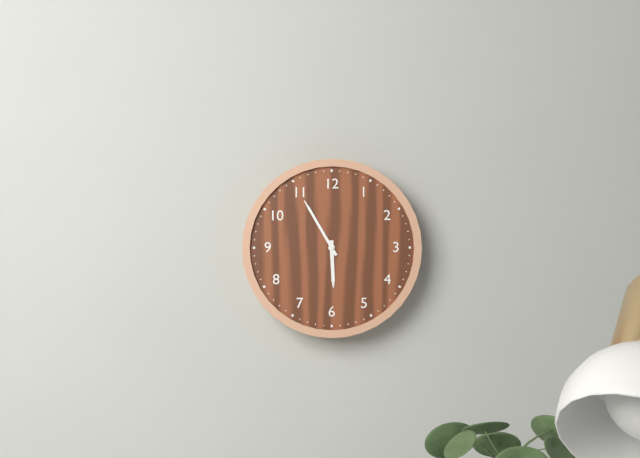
5h55
